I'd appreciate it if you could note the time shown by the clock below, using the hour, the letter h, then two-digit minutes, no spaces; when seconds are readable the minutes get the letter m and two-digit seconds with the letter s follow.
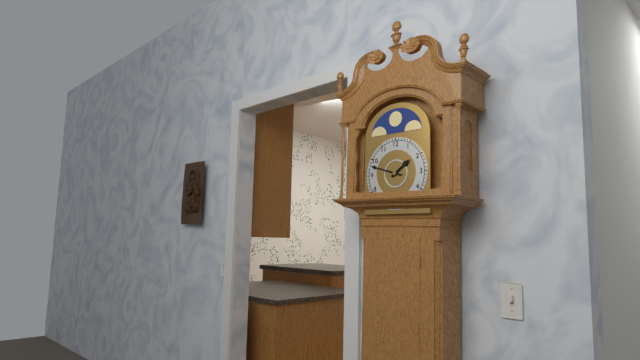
1h48
